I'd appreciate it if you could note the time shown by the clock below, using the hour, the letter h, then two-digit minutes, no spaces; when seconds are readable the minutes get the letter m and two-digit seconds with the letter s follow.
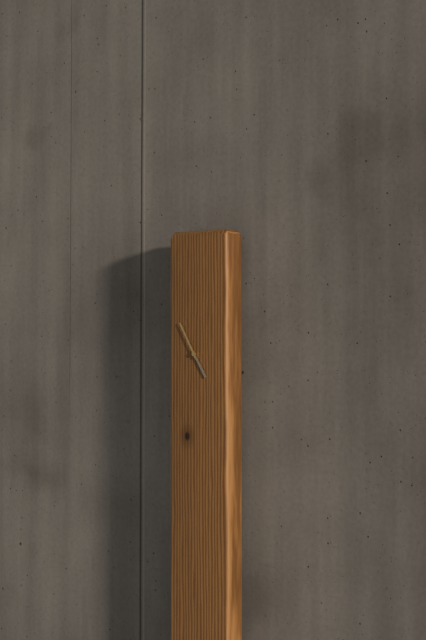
4h55
